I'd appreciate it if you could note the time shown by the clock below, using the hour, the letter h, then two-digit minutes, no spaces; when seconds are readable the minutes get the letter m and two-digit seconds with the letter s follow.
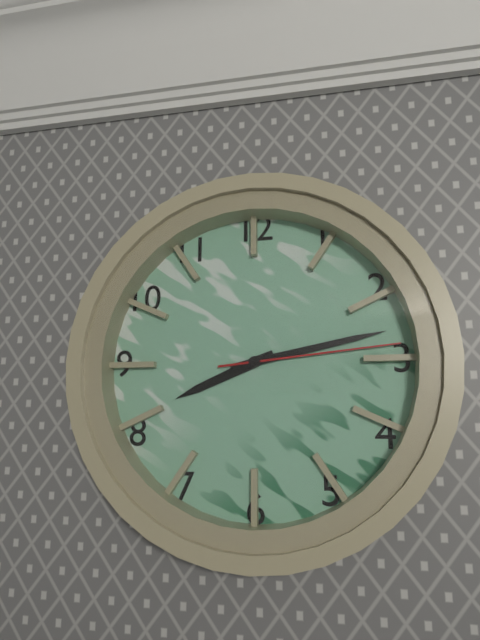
8h13m14s
